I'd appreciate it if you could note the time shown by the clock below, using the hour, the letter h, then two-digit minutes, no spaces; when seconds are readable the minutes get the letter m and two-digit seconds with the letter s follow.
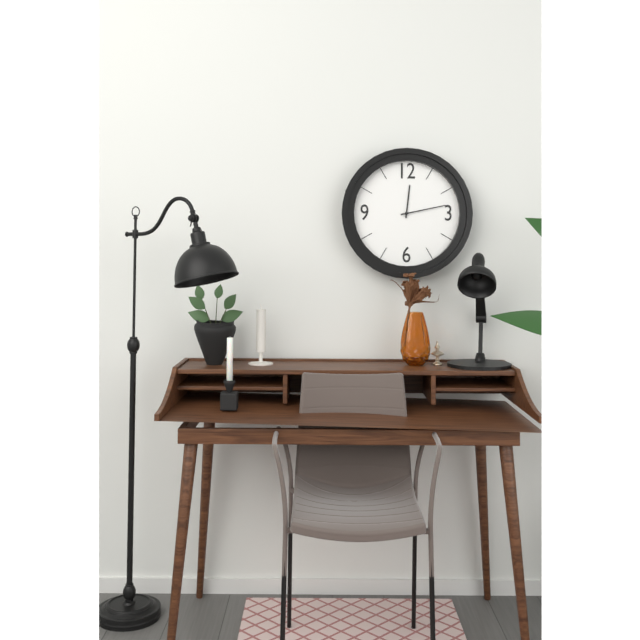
12h13
